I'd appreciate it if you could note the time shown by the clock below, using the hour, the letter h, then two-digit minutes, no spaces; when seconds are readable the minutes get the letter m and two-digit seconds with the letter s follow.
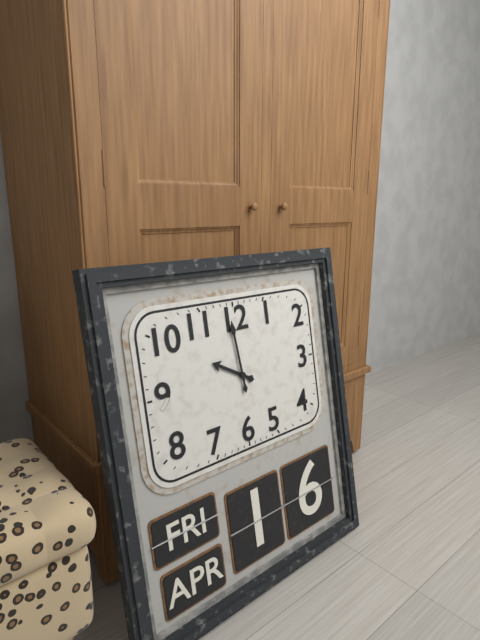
9h59
